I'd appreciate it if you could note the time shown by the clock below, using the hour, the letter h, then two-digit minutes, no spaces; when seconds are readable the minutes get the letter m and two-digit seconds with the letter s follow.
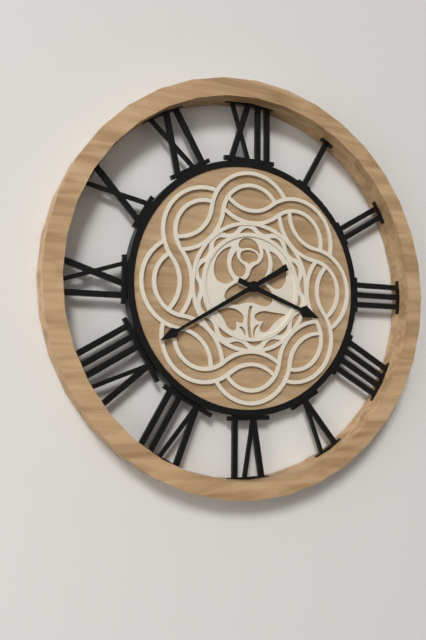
3h40
